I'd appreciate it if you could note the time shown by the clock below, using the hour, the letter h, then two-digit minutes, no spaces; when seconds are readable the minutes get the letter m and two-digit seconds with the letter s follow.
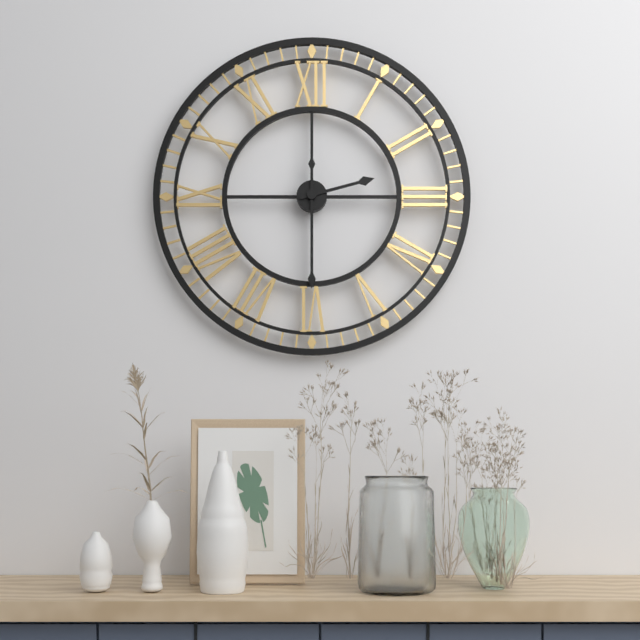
2h30
